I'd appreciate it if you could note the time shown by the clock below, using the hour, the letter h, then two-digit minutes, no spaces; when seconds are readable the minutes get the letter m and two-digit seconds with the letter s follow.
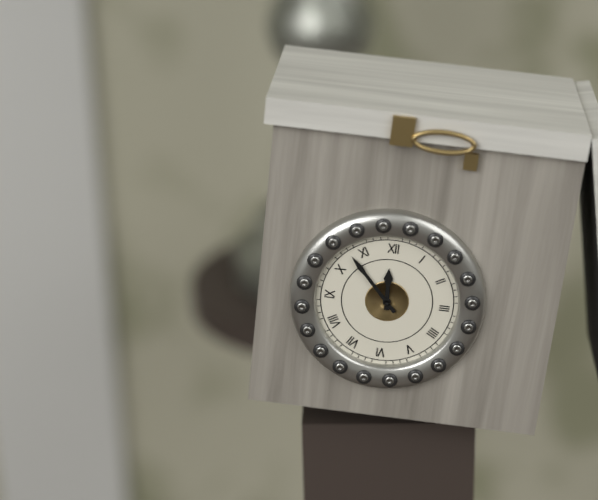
11h53
